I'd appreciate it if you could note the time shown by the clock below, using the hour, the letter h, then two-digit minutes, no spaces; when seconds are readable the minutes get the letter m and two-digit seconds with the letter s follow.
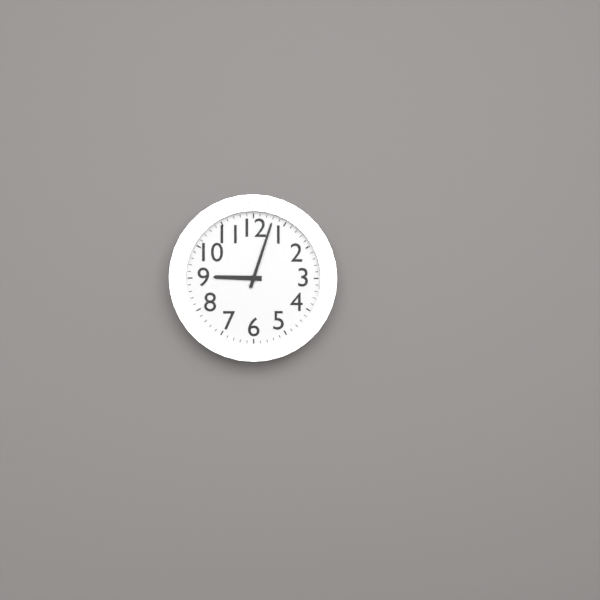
9h03
